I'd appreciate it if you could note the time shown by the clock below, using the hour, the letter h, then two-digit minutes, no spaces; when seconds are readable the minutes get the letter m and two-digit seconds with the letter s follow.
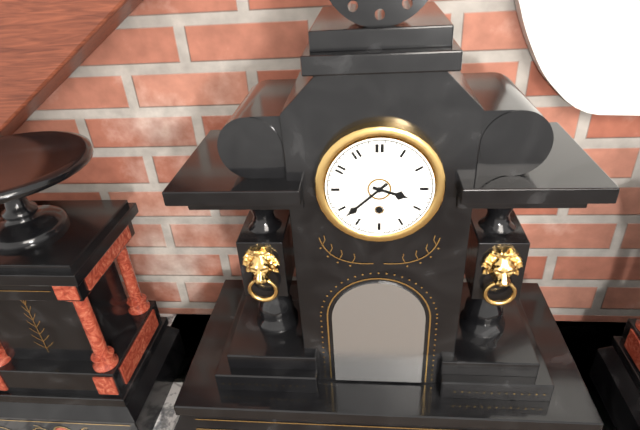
3h38
